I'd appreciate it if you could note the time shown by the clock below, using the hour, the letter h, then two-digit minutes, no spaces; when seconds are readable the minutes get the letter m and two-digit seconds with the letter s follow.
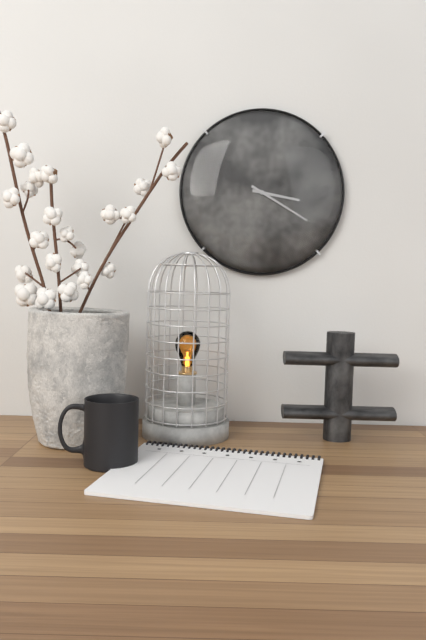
3h20
